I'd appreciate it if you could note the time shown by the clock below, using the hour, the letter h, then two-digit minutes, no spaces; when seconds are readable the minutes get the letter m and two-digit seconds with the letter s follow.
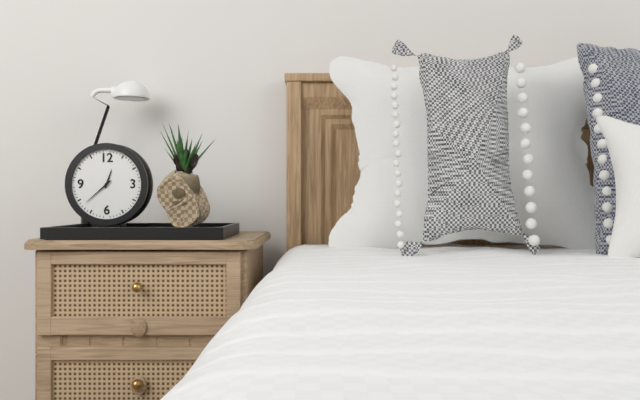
12h38
